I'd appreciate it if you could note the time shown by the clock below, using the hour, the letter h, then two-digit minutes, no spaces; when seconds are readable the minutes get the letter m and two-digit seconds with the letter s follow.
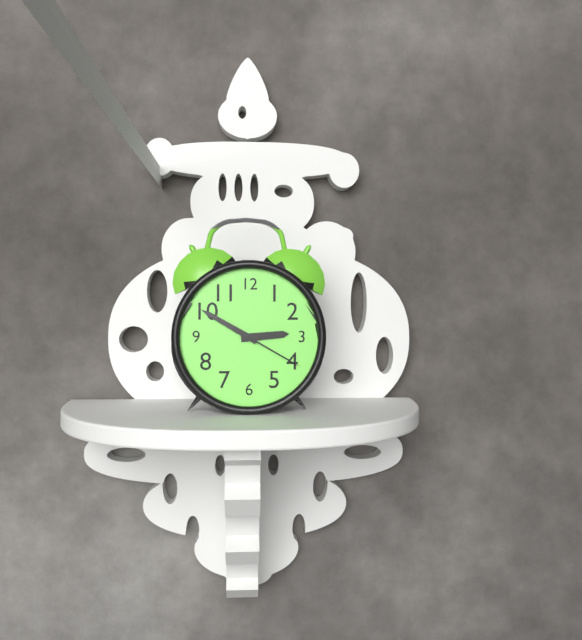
2h50m20s
